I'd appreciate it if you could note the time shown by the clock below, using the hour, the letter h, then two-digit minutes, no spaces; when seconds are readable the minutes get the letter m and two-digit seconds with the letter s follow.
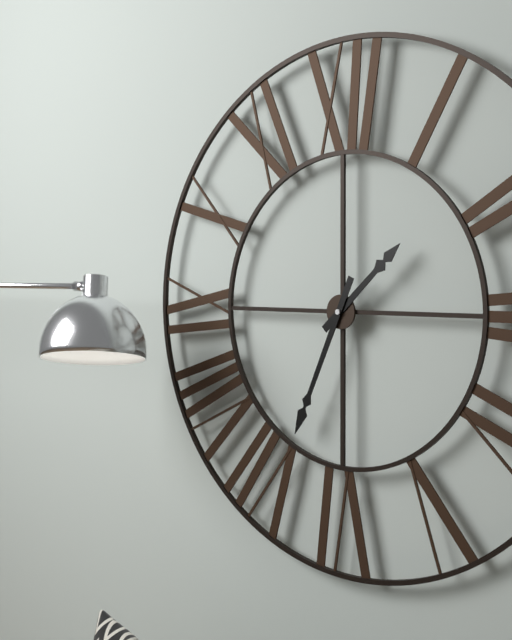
1h34
